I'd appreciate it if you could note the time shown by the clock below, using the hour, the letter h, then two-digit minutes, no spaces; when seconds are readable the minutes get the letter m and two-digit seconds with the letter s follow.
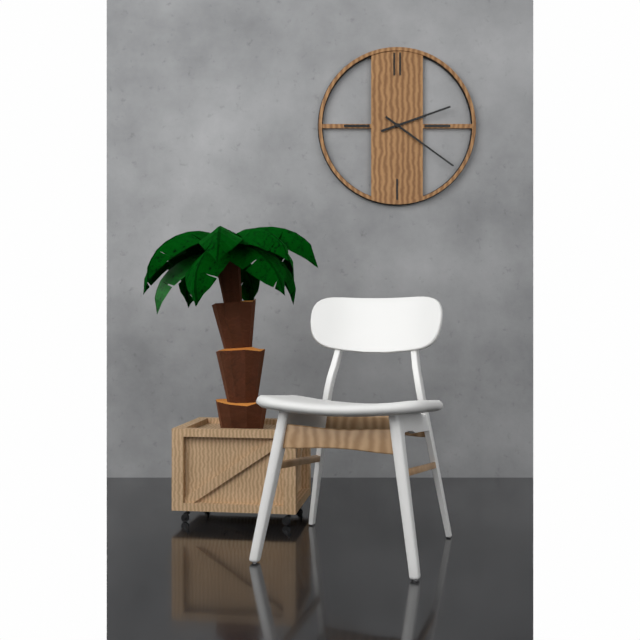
2h21
